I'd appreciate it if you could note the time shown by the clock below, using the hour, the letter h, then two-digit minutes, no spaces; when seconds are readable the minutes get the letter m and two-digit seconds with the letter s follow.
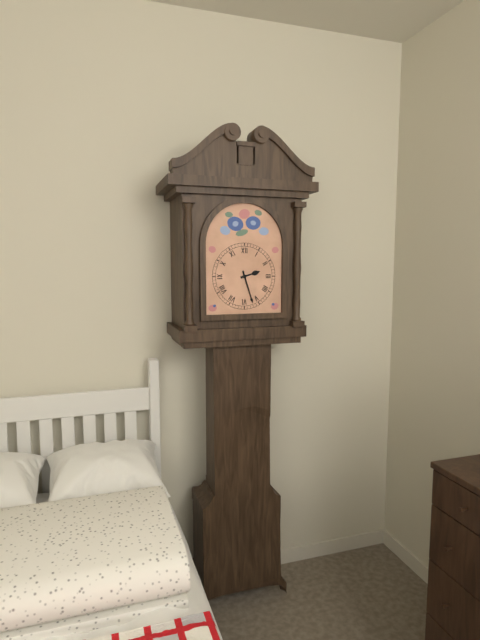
2h27
